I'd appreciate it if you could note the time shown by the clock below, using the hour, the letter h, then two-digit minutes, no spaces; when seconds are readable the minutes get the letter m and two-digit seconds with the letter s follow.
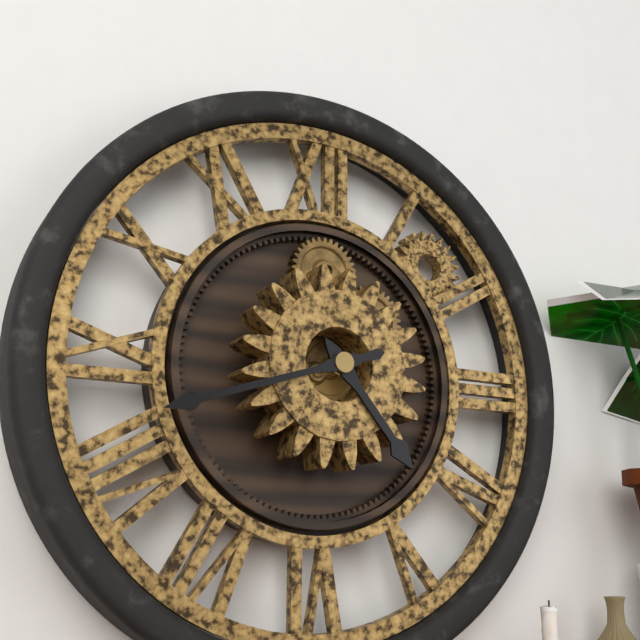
4h42
